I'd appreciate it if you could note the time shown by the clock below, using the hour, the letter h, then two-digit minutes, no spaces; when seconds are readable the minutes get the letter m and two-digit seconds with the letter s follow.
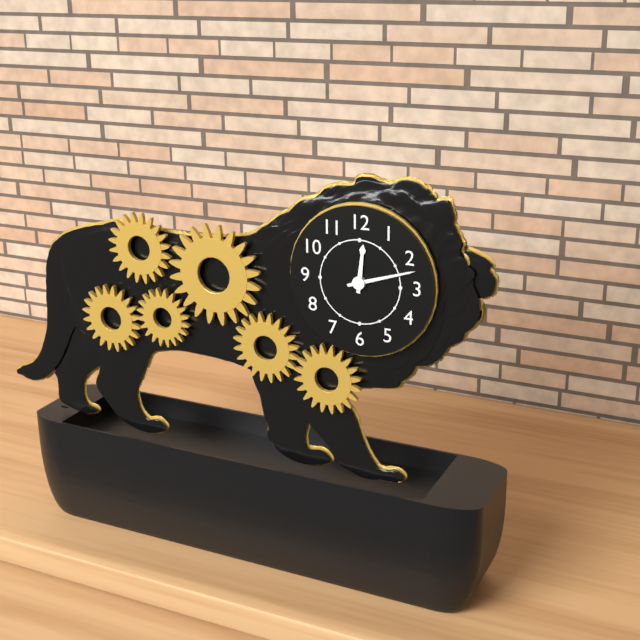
12h12
